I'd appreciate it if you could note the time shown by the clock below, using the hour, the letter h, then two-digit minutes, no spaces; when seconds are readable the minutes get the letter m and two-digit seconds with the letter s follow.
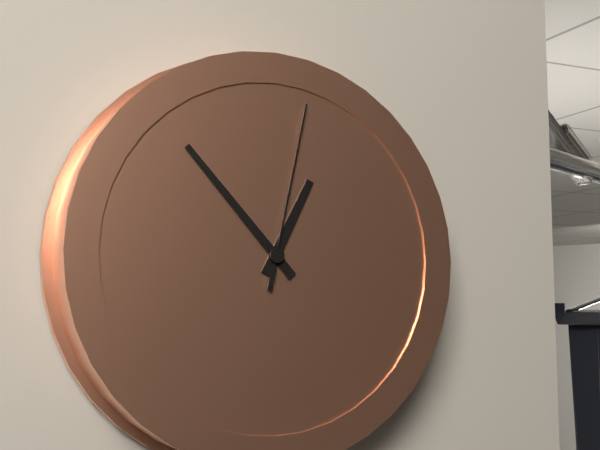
12h53m02s
